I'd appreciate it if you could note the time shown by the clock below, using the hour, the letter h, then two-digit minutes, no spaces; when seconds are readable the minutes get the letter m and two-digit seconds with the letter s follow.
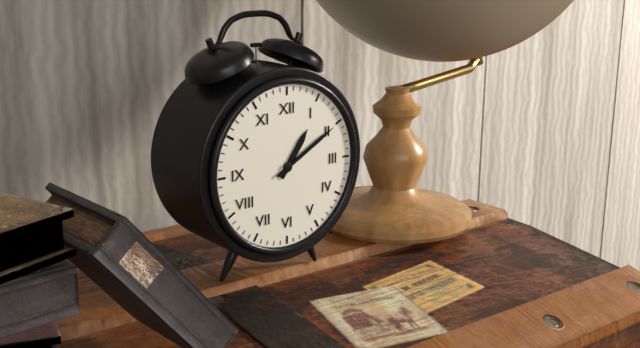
1h10
